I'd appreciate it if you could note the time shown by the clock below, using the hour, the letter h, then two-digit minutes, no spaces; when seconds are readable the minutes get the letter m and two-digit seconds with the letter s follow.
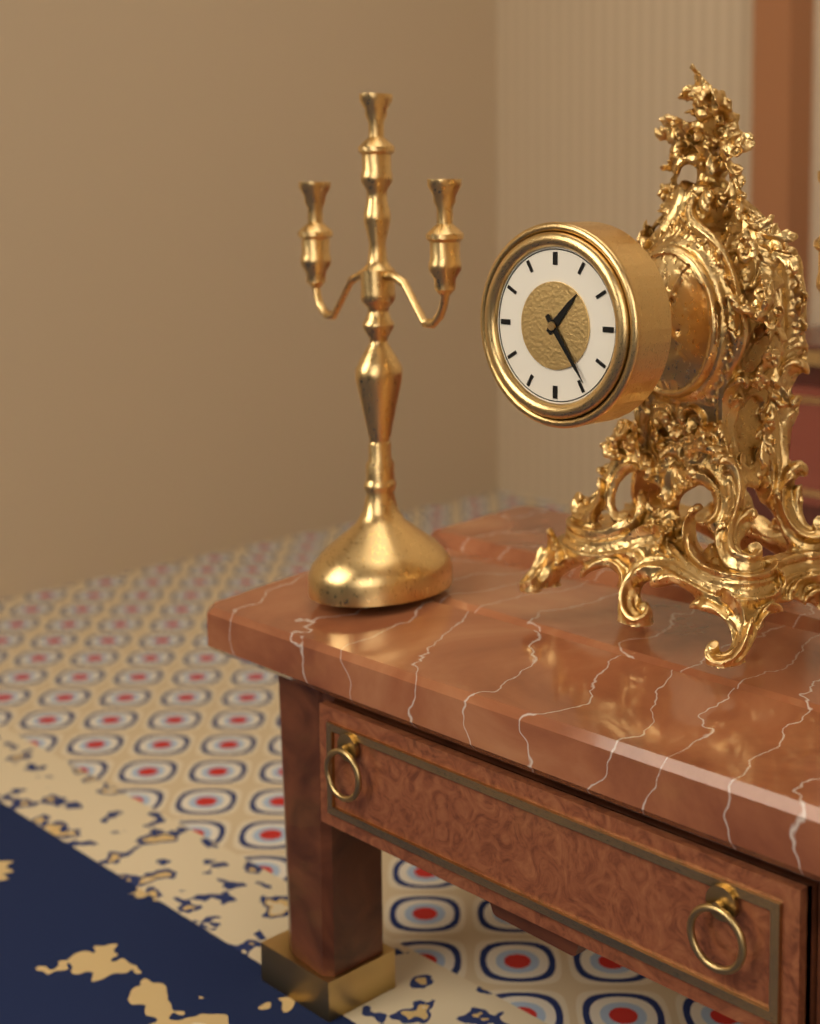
1h24
